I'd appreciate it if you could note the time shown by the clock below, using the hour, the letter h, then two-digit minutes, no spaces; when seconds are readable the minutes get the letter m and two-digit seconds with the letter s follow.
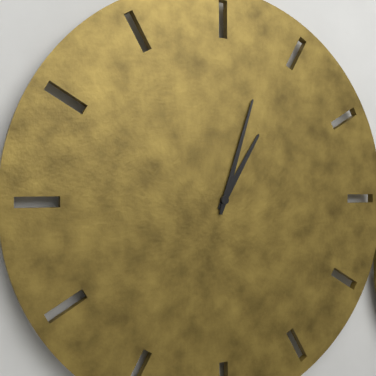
1h03
